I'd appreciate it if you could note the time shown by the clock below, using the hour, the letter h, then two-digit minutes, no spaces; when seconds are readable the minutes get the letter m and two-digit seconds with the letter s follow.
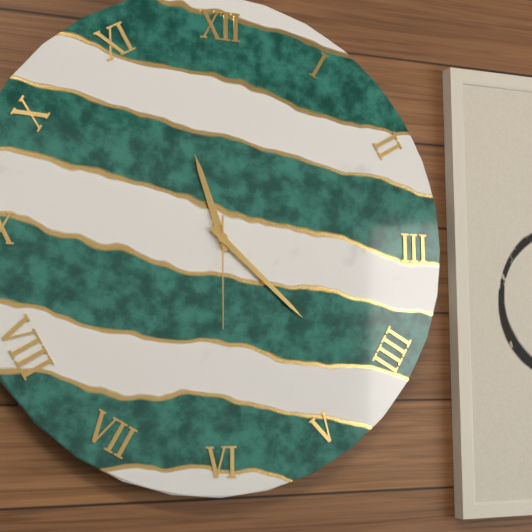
11h22m30s
